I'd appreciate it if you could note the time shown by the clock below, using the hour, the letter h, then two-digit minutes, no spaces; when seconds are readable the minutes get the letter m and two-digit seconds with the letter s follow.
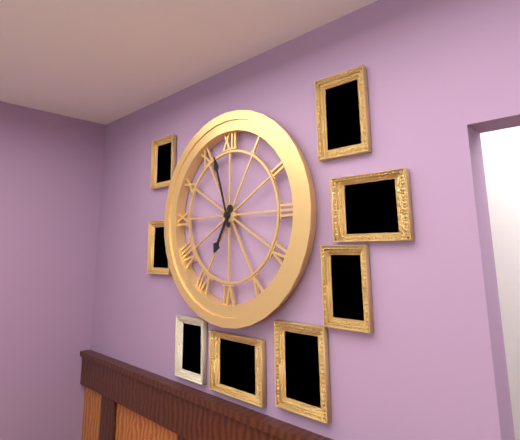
6h57
